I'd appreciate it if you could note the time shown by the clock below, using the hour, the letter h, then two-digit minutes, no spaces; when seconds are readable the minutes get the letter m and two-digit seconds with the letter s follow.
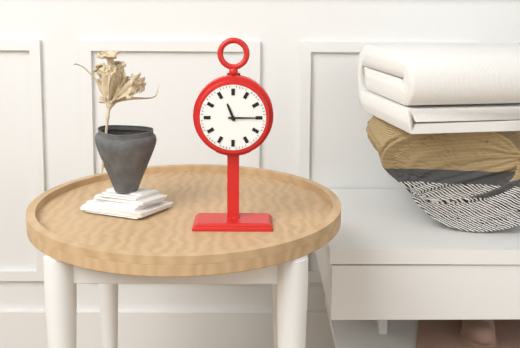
11h15
